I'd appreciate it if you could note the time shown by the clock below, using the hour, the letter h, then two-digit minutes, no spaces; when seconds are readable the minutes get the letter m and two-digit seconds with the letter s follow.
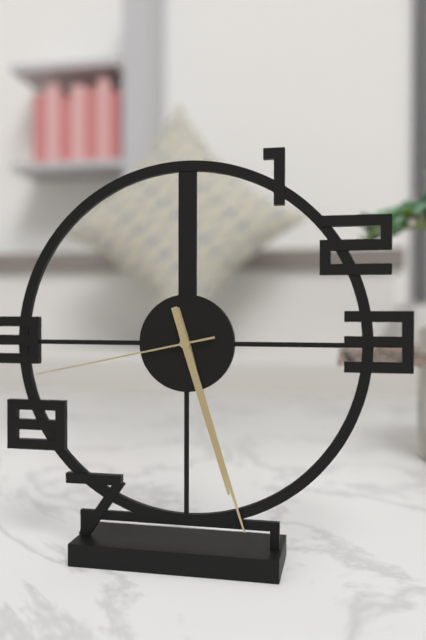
5h27m43s
